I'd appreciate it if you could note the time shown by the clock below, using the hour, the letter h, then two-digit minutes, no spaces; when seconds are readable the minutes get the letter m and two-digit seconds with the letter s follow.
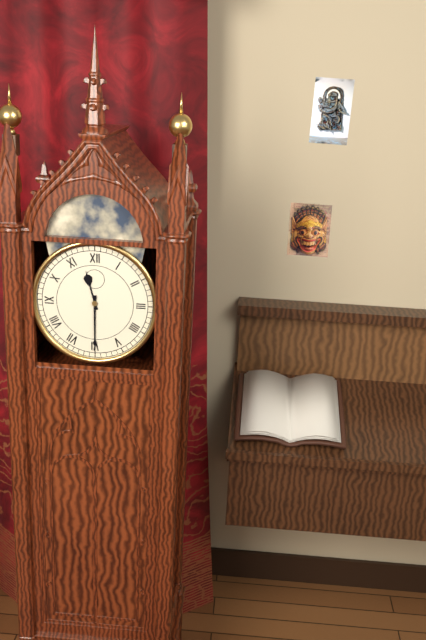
11h30
